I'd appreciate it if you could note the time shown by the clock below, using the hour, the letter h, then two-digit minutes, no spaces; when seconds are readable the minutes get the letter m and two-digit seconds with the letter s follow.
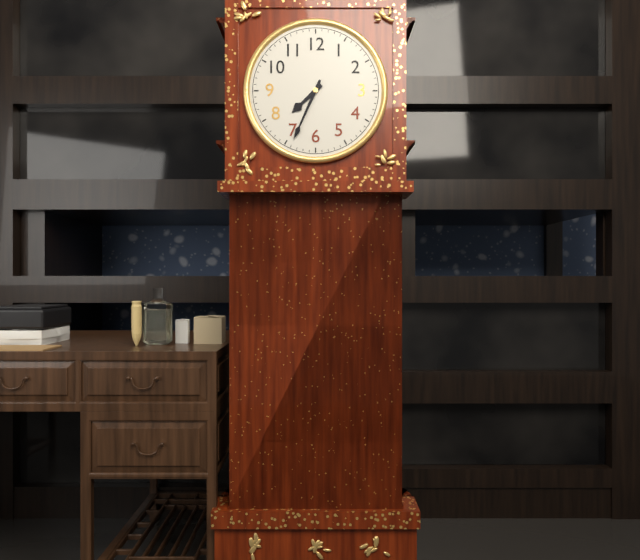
7h34
